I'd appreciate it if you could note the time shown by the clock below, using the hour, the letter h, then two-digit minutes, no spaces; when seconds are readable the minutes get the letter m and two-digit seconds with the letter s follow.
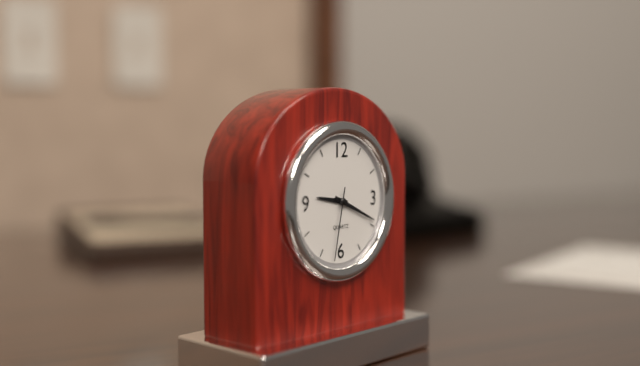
9h19m32s
